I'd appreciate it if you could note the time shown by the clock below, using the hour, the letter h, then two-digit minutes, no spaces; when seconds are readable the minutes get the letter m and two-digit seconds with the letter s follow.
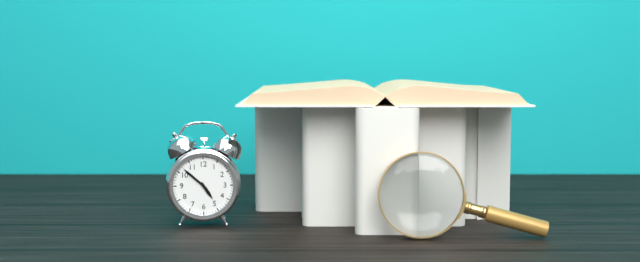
4h52
